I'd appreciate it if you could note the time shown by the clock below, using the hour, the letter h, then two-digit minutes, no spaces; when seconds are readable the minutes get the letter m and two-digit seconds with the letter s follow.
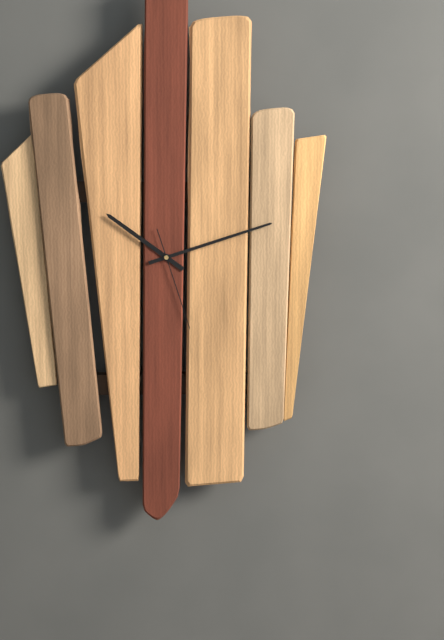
10h12m27s
